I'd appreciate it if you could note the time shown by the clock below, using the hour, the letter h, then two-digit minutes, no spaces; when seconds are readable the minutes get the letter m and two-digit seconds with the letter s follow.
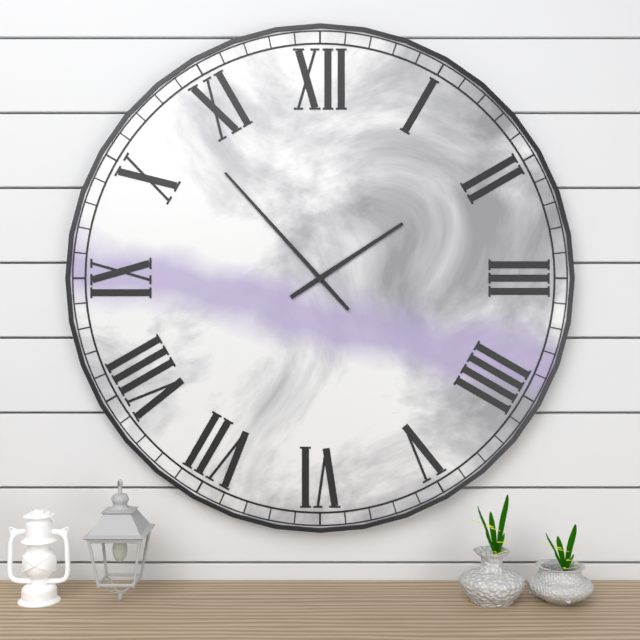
1h53
